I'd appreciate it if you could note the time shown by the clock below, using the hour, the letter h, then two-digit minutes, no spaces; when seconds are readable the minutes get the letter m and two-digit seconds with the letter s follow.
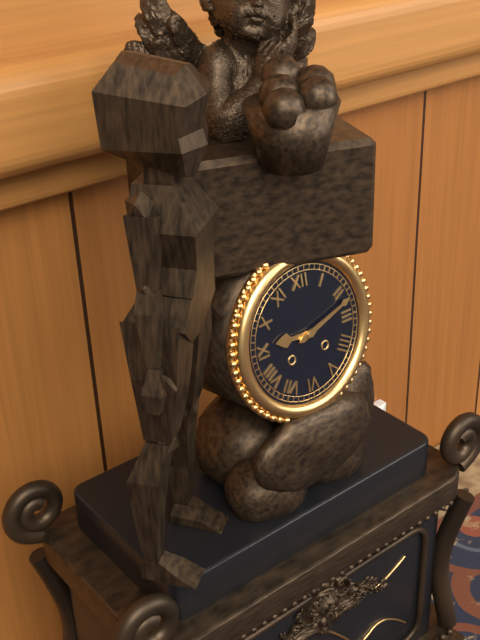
9h12
